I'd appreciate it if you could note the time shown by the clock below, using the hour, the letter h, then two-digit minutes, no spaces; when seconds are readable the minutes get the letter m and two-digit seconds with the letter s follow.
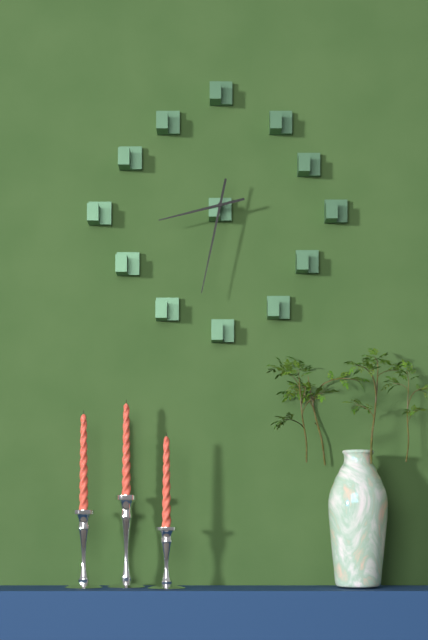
8h32
